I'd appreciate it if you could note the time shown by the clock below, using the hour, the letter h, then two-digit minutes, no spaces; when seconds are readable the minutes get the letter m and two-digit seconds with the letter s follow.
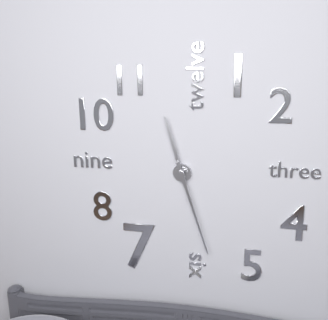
11h27
